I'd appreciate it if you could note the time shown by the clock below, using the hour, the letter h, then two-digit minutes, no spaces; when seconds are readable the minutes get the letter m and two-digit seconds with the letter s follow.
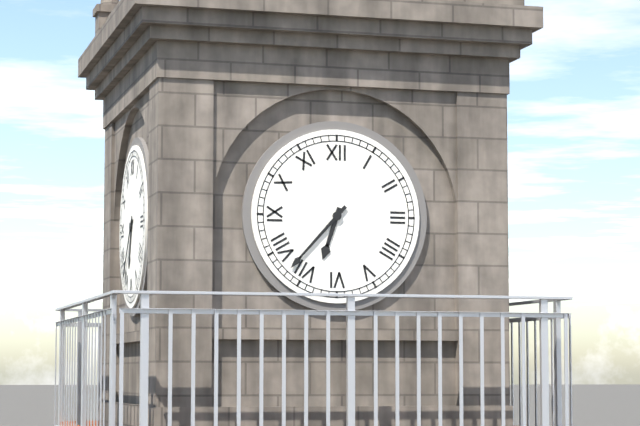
6h37
